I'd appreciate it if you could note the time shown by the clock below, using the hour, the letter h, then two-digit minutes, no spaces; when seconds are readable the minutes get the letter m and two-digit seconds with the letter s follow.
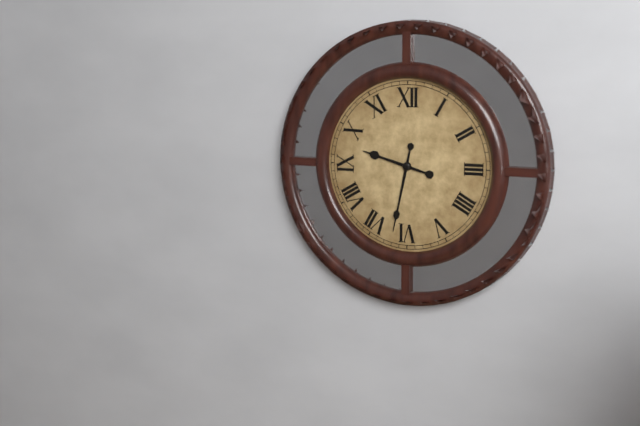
9h32
